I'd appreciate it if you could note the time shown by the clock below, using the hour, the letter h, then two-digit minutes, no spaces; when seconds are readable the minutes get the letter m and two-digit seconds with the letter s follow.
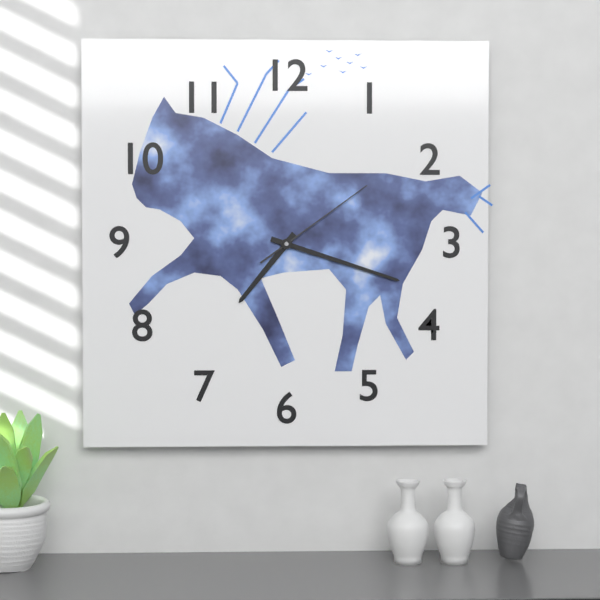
7h18m09s
